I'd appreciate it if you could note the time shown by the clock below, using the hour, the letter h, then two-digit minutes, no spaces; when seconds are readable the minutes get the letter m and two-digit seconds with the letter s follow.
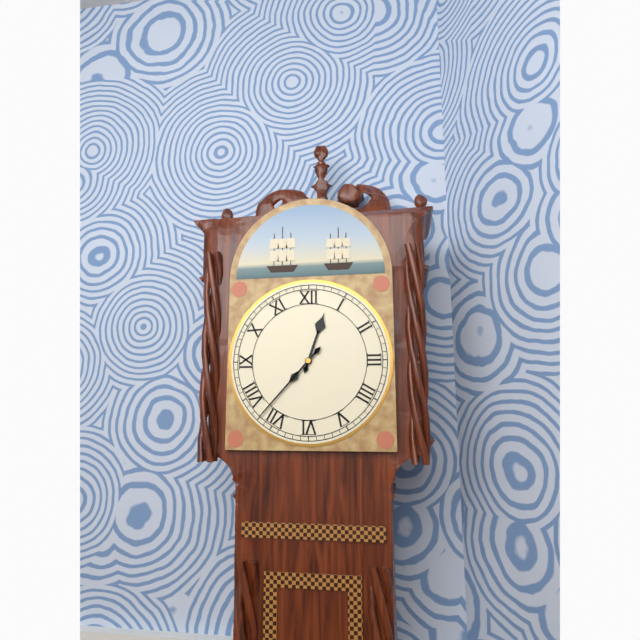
12h37
